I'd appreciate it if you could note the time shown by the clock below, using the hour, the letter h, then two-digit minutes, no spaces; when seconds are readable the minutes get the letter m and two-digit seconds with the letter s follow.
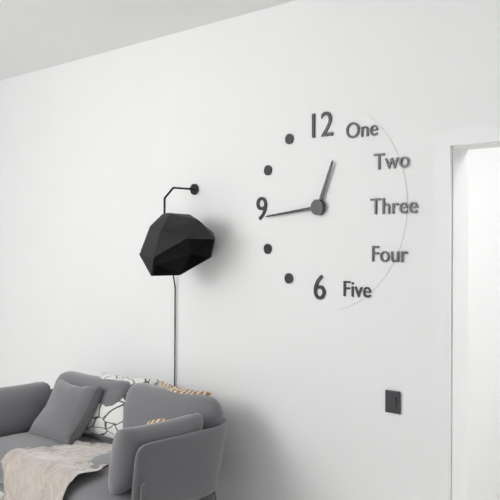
12h44
